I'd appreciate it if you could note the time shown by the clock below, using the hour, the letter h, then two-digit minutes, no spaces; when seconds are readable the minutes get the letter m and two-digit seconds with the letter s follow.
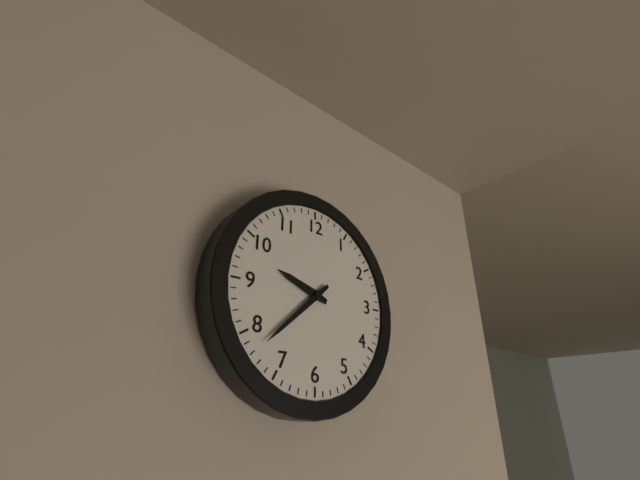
9h38
